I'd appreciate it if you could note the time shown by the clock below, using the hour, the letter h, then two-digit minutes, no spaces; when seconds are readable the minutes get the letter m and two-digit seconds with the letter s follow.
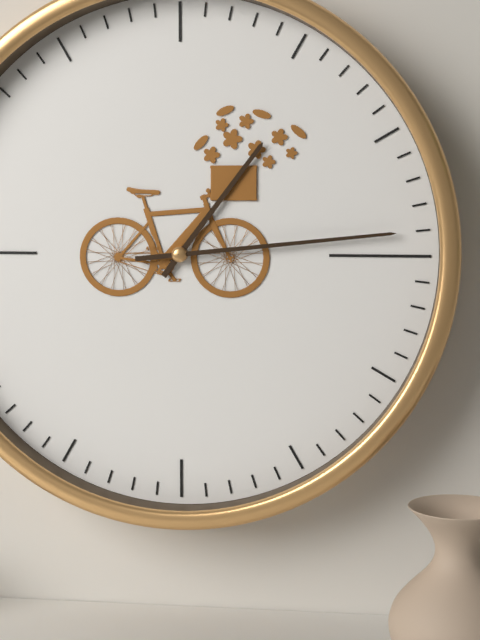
1h14
